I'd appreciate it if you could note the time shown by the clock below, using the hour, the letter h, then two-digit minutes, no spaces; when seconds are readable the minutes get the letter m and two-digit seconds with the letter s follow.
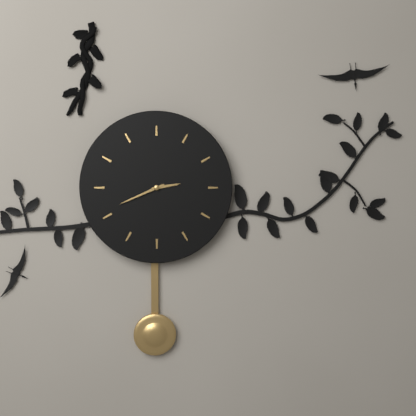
2h41
